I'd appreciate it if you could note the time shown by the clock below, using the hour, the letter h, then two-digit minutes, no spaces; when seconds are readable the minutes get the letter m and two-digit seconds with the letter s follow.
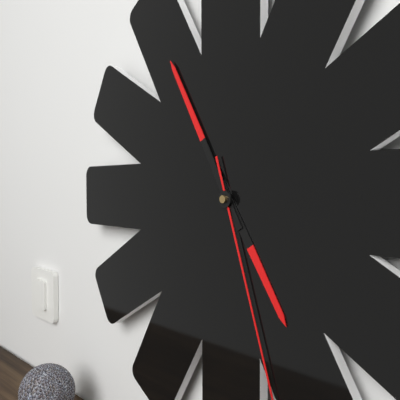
4h55
